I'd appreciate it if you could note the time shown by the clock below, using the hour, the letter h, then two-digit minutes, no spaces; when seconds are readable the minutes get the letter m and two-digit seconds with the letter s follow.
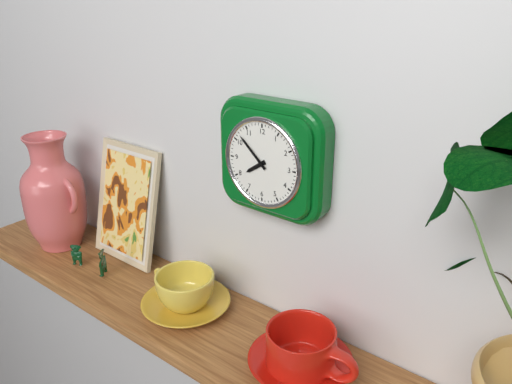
7h52
